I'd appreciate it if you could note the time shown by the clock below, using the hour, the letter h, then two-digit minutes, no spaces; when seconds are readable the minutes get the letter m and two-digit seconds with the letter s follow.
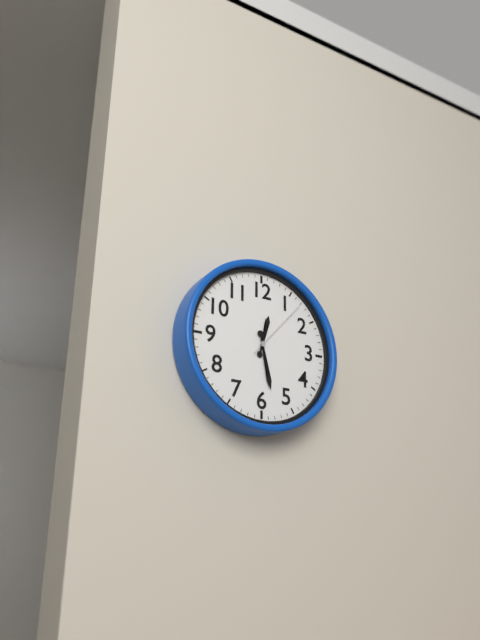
12h28m07s
